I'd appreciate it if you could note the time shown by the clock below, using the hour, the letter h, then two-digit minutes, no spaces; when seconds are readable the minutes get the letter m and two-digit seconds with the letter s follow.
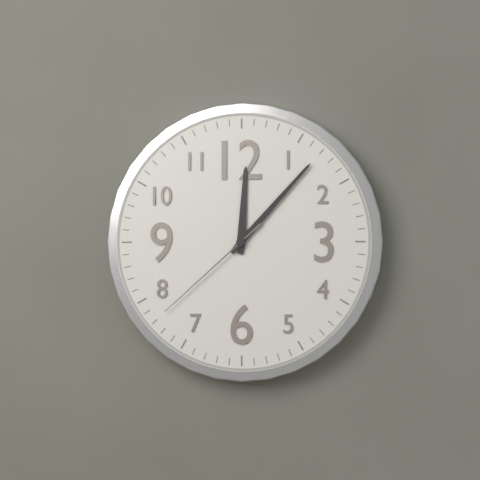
12h07m38s
